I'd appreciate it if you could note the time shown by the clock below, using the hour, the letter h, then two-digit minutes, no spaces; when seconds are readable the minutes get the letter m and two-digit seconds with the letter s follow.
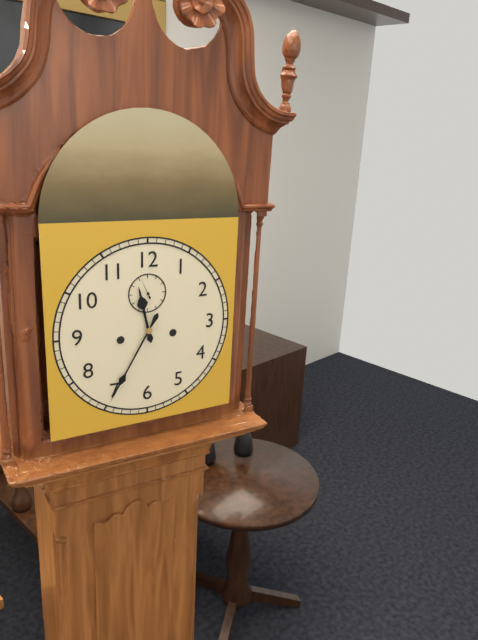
11h35
